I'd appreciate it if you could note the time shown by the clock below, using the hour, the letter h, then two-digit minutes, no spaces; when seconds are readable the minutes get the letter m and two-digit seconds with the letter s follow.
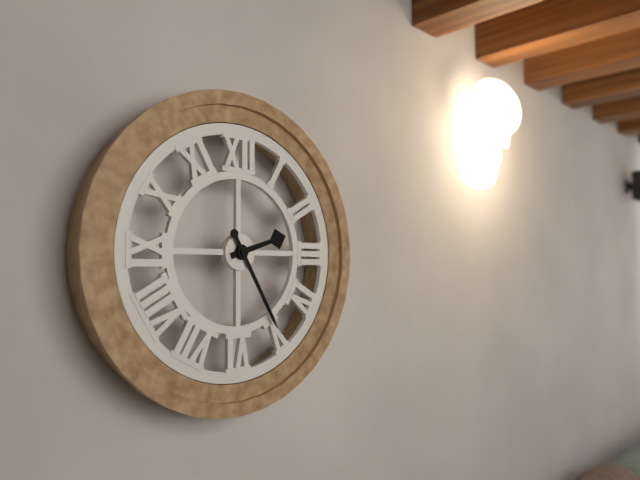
2h25
